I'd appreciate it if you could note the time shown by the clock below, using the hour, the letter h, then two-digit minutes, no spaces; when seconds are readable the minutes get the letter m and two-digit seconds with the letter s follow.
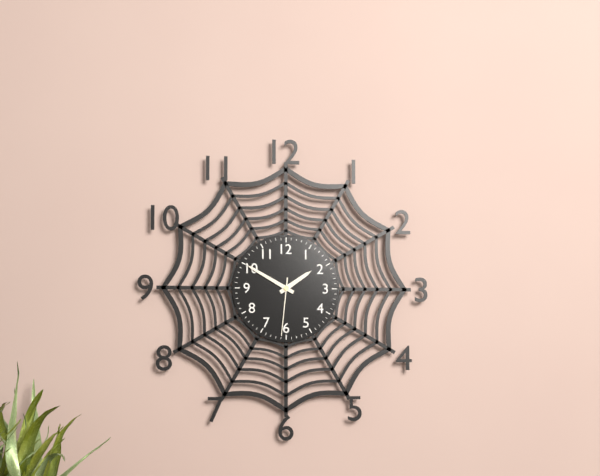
1h50m31s
